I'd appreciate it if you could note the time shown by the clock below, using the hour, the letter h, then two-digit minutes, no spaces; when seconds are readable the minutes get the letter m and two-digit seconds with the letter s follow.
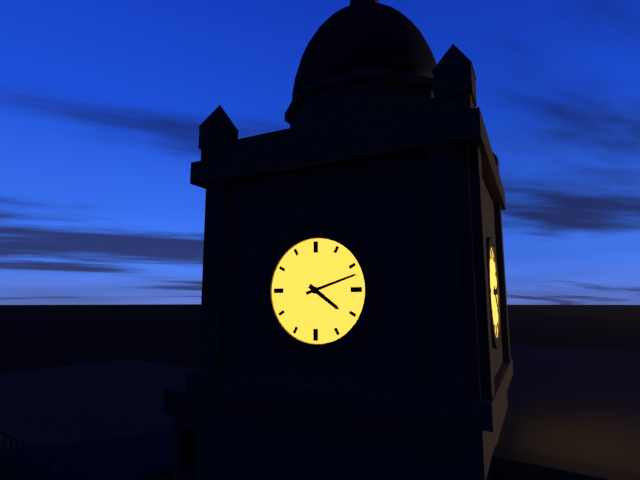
4h12
